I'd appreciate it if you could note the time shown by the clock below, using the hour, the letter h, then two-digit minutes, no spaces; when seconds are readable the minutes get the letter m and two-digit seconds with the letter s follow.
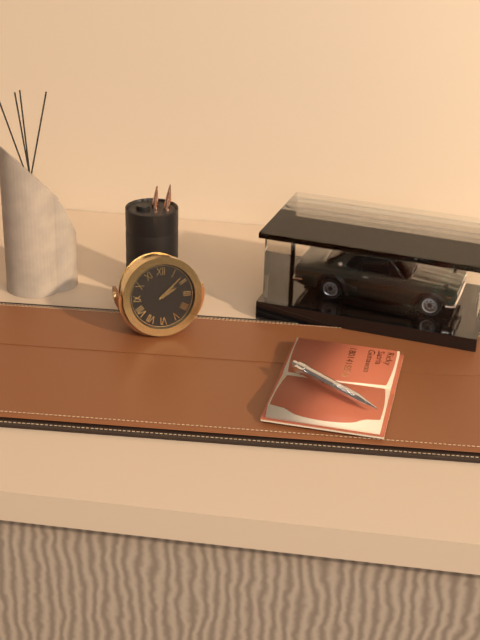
2h08
